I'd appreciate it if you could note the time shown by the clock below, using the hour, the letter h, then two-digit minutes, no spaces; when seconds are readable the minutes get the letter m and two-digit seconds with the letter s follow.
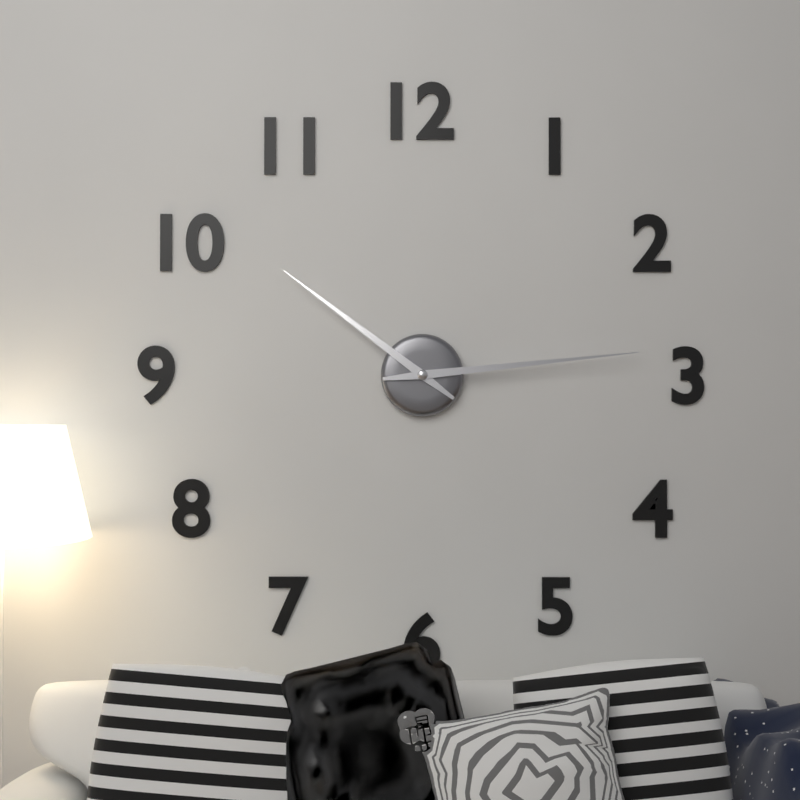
10h14
